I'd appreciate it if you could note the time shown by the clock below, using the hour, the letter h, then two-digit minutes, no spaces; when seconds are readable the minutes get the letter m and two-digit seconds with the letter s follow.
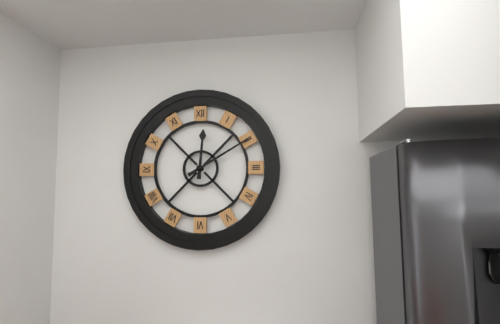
12h10
